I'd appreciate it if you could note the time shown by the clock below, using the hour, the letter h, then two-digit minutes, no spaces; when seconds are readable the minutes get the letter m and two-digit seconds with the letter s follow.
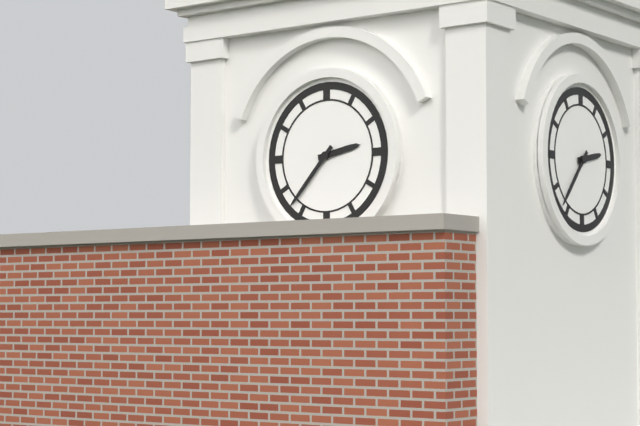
2h37
